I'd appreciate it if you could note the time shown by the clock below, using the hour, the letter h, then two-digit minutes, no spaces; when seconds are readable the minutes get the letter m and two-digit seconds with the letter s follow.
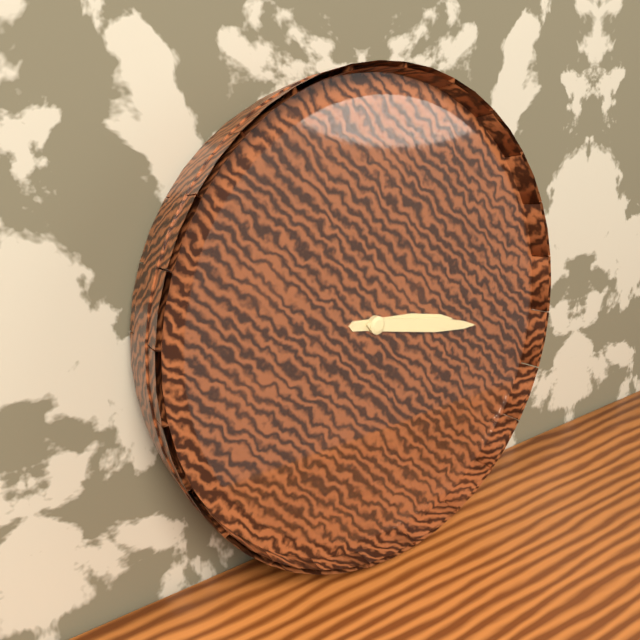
3h17
